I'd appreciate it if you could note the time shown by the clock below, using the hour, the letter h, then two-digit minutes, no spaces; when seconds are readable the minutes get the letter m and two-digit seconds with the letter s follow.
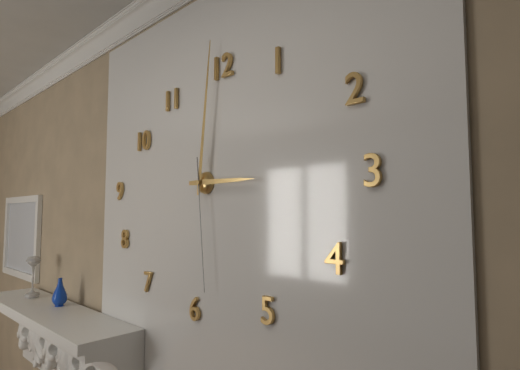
3h01m29s
